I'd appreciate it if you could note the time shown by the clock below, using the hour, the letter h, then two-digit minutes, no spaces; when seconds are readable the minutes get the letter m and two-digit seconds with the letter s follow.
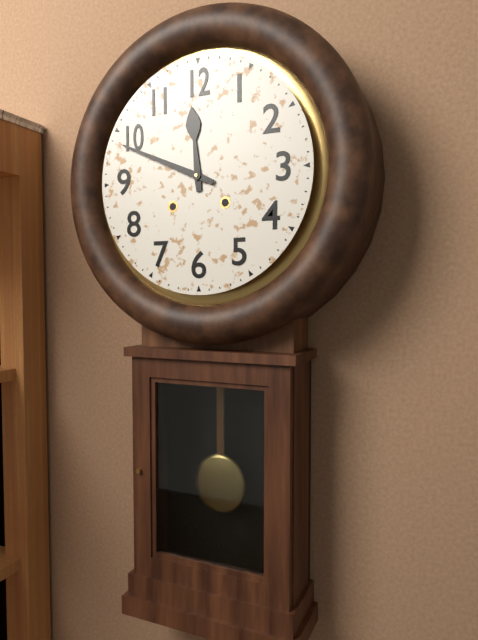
11h49
